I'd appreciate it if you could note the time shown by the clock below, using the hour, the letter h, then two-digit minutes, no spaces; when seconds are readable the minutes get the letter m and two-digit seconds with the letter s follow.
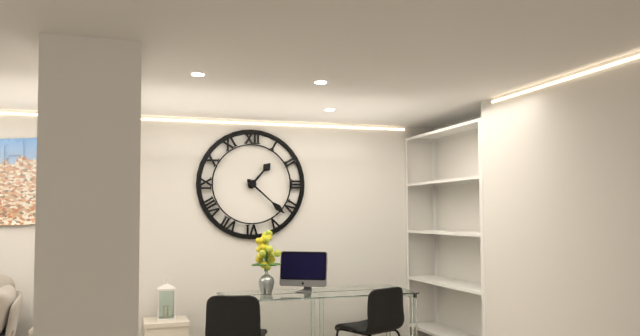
1h22
